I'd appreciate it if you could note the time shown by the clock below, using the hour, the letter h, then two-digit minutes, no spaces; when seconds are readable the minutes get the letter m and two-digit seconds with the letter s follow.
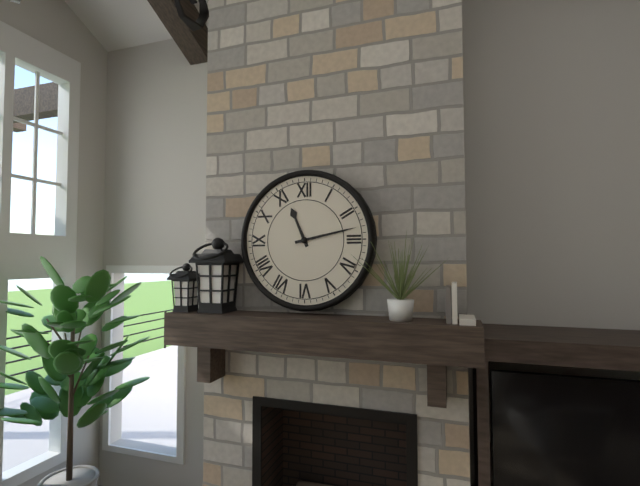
11h13
